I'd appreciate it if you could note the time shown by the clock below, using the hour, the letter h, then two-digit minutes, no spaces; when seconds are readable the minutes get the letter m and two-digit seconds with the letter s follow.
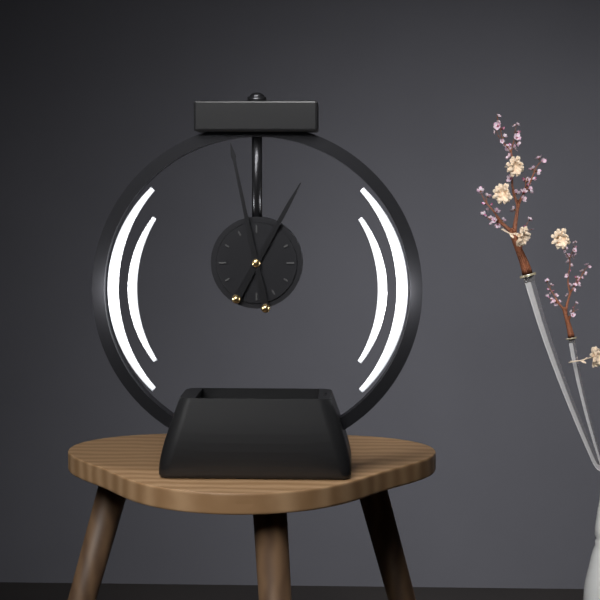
12h58
